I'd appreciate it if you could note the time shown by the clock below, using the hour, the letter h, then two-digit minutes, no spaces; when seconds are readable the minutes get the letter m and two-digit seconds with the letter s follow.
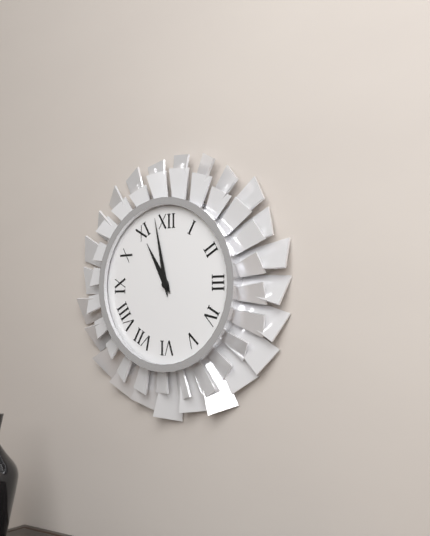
10h58
